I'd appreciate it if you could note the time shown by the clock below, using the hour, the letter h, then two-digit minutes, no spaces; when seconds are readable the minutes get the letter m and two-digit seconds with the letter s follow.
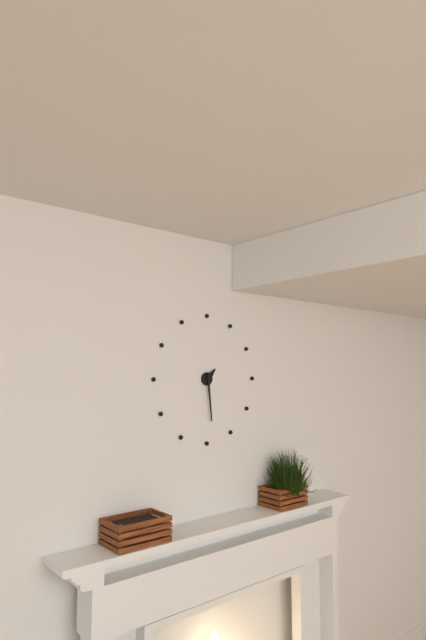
1h29
